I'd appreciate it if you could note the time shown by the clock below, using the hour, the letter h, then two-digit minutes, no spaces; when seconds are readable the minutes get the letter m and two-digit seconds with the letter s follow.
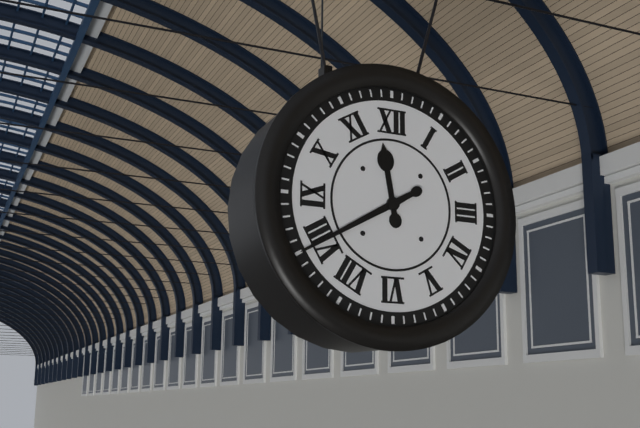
11h40
